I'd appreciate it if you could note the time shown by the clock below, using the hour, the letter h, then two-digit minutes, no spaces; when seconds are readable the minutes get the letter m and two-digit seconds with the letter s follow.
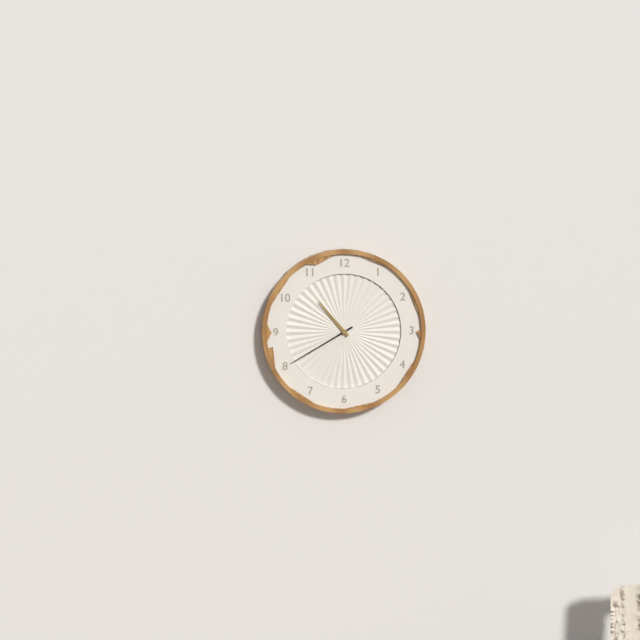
10h40
